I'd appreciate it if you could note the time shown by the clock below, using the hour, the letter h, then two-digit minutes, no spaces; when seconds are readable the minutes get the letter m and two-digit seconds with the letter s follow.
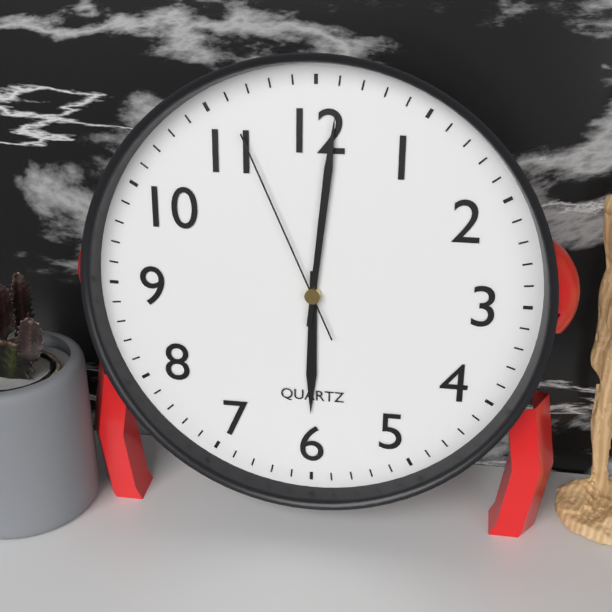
6h01m56s
